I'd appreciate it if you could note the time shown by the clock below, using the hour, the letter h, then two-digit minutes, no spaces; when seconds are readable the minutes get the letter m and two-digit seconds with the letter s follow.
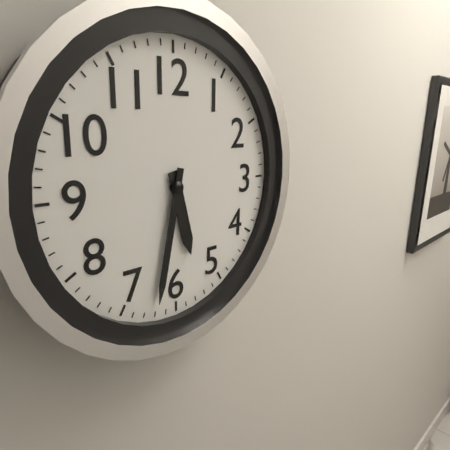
5h32
